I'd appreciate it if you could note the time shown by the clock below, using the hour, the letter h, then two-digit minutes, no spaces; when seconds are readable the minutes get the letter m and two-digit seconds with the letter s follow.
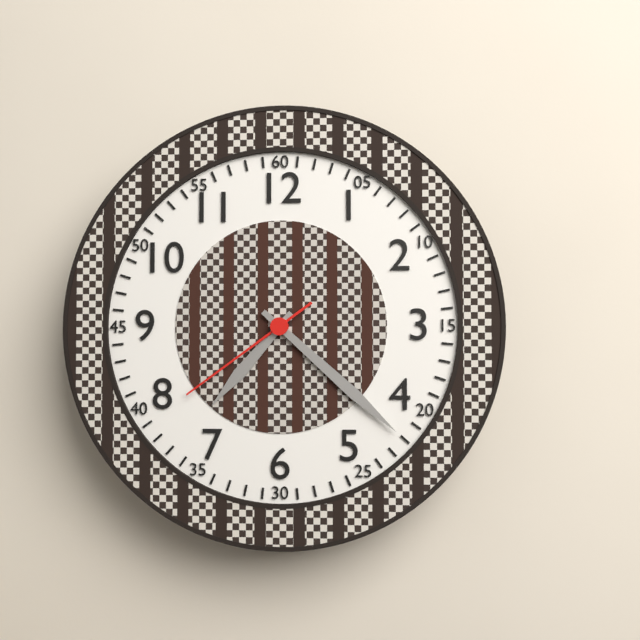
7h22m39s
